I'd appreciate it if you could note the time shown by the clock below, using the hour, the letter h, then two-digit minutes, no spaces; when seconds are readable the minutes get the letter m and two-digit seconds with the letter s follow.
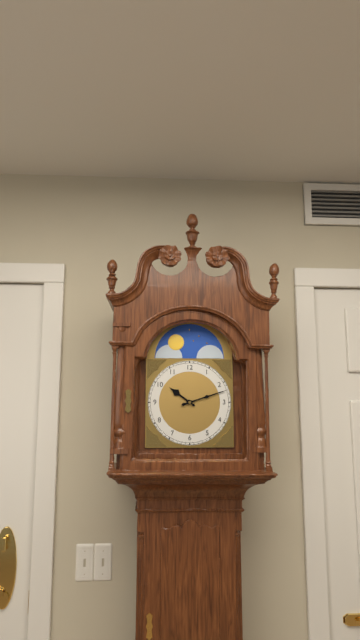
10h12
